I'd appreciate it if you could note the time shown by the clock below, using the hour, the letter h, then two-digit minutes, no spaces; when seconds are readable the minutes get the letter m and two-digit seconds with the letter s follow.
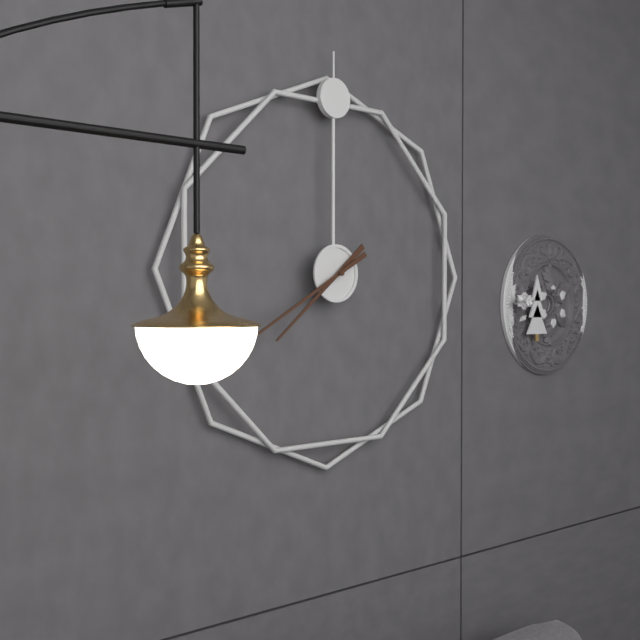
7h40
